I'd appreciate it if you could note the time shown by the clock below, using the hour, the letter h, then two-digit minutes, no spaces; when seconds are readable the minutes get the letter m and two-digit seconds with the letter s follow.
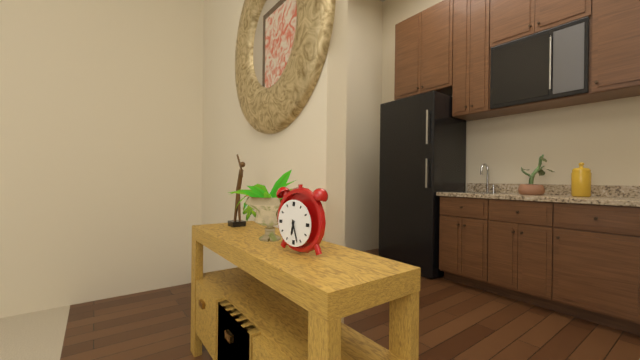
6h27
